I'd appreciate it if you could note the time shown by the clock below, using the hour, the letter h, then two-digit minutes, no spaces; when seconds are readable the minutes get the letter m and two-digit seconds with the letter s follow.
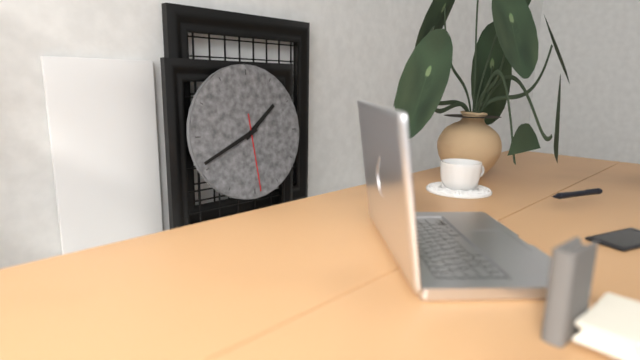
1h41m29s
